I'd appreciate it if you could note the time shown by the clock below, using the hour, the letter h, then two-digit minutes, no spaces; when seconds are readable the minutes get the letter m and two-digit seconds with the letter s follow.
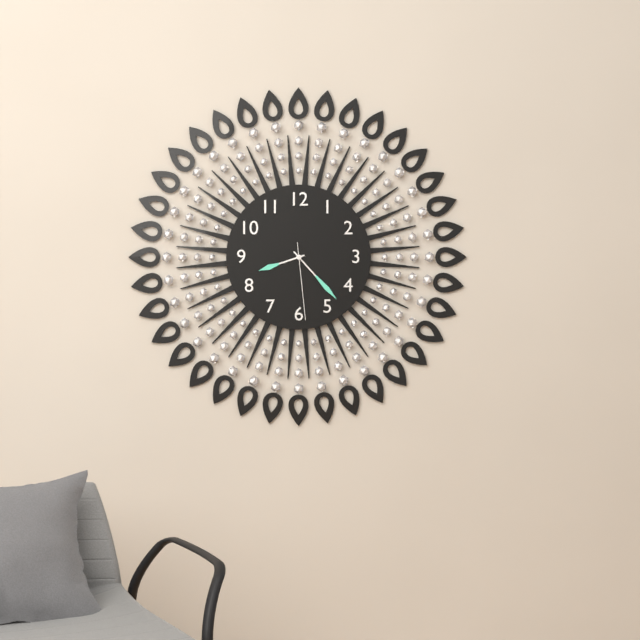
8h23m29s
